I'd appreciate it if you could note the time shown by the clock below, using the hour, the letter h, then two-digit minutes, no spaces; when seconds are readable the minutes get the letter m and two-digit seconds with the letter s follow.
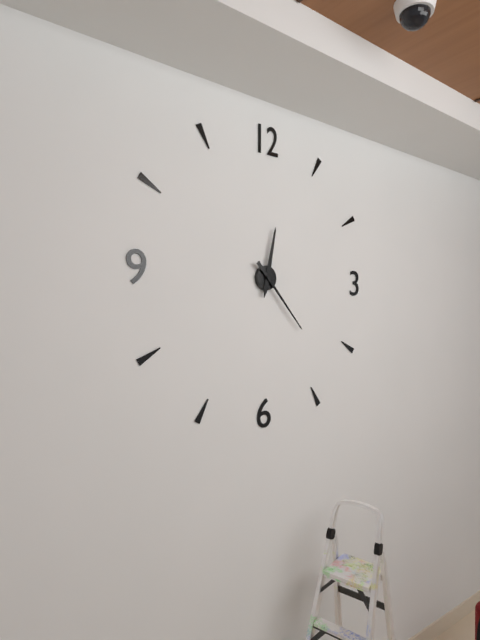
12h23
